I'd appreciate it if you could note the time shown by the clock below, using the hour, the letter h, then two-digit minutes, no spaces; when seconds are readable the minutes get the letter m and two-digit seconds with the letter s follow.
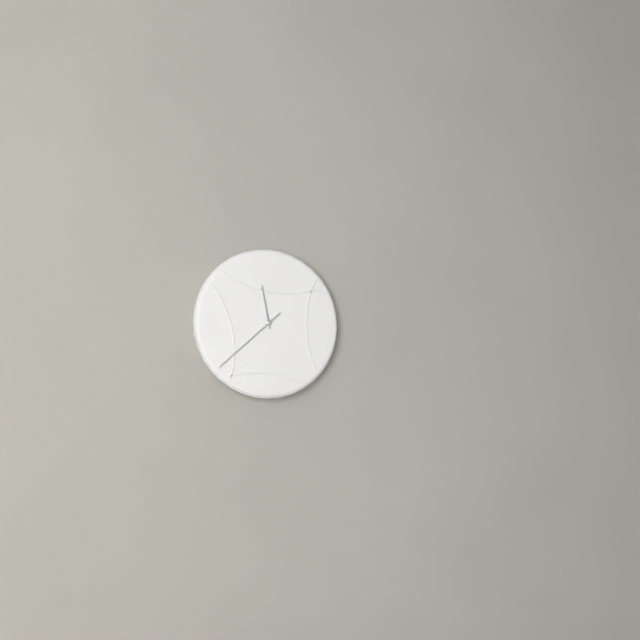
11h38
